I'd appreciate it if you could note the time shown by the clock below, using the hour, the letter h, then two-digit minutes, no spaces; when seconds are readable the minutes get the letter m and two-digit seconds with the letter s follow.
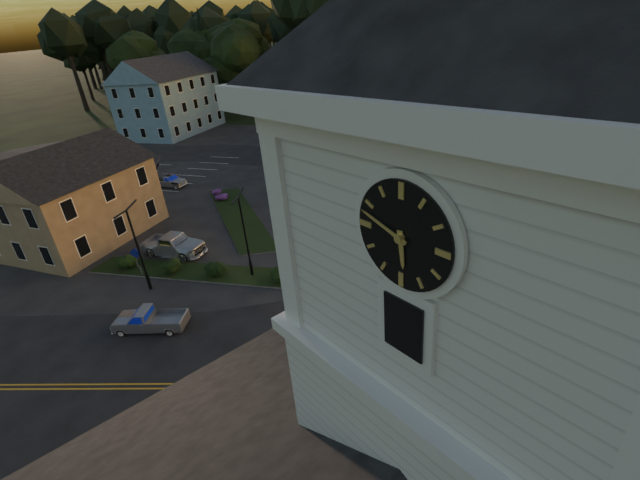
5h48
